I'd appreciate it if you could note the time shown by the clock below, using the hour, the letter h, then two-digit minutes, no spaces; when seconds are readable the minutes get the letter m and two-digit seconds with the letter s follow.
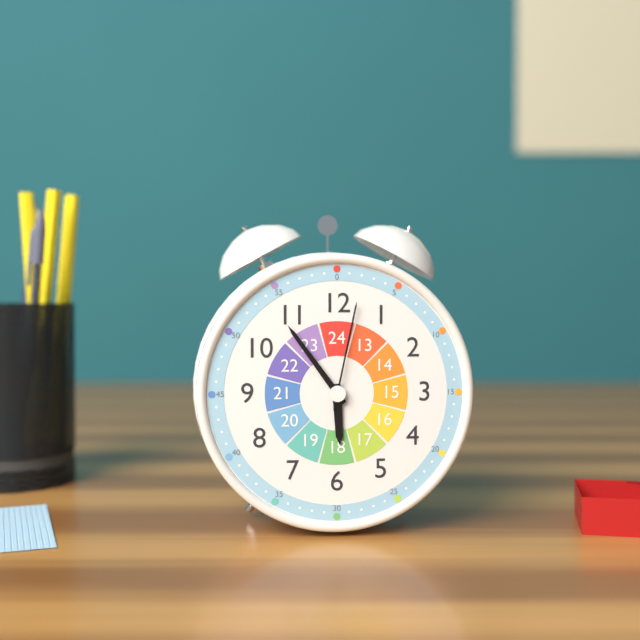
5h54m02s
